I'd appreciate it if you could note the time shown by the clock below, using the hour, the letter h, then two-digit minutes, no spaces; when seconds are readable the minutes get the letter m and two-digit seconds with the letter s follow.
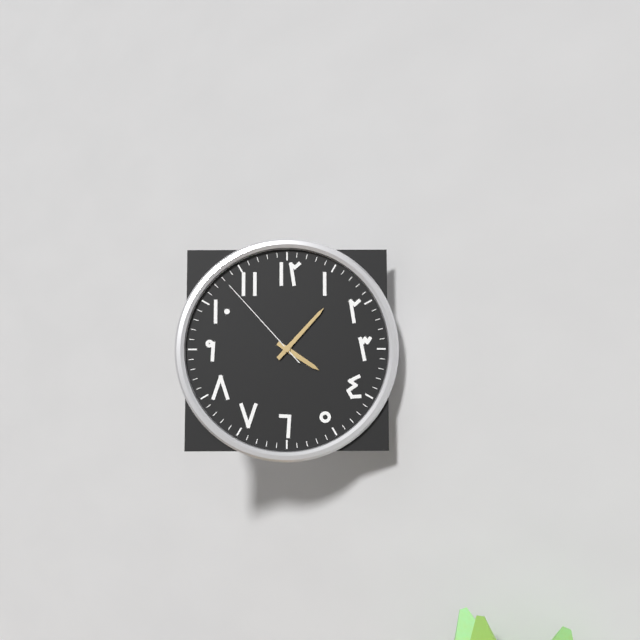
4h07m53s
